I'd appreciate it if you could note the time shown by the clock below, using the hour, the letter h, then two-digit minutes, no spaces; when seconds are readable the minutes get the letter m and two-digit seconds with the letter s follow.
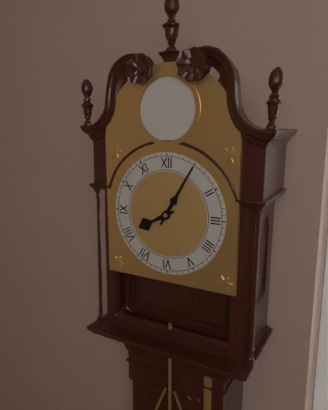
8h05
